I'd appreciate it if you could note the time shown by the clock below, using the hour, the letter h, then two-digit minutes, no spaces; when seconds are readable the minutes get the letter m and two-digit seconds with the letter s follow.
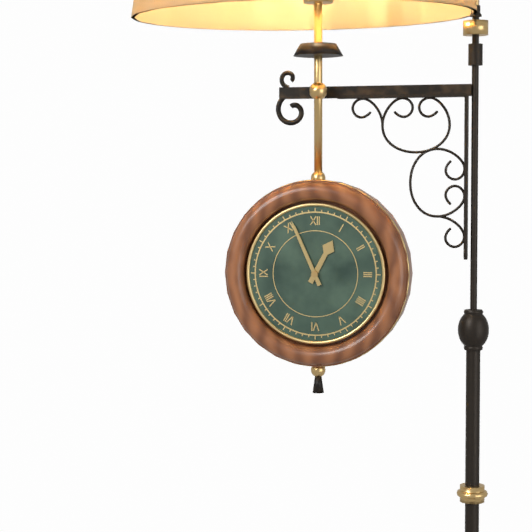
12h56
